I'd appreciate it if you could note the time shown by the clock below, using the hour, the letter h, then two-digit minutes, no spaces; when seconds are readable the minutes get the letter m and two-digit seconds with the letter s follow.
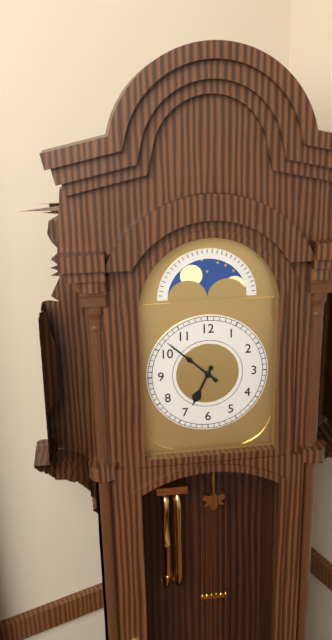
6h52
